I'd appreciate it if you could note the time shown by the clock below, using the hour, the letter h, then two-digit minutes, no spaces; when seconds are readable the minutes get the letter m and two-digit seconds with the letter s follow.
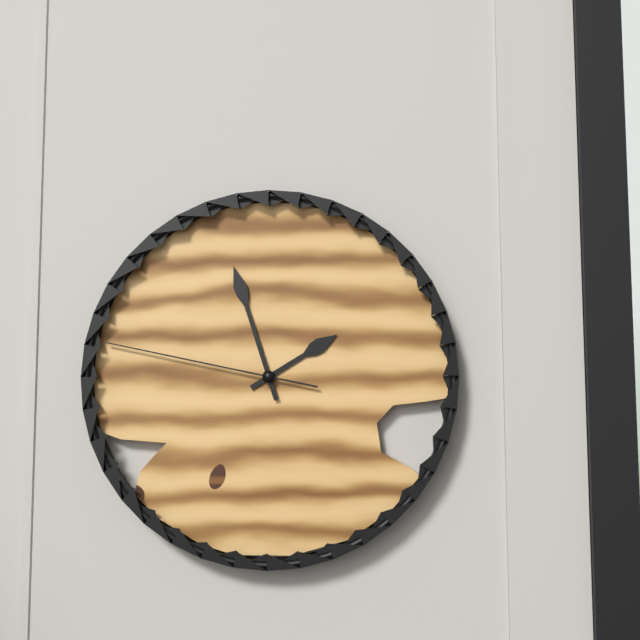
1h57m47s
